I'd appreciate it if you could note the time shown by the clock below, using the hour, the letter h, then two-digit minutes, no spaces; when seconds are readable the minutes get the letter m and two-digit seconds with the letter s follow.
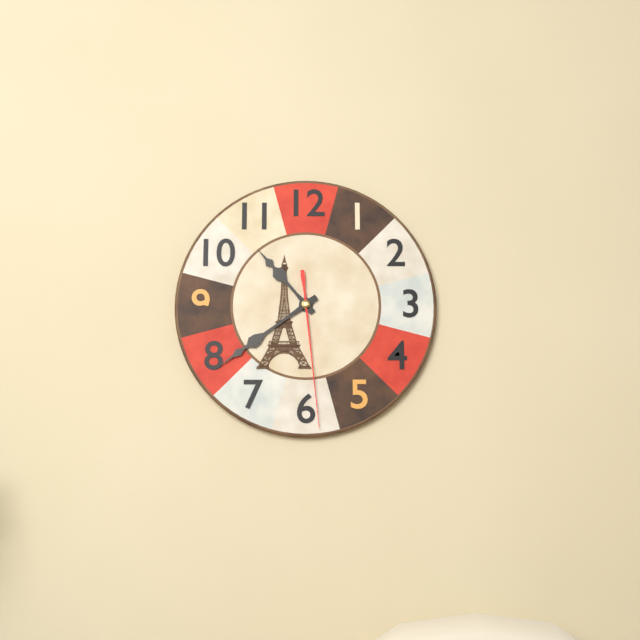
10h39m29s
